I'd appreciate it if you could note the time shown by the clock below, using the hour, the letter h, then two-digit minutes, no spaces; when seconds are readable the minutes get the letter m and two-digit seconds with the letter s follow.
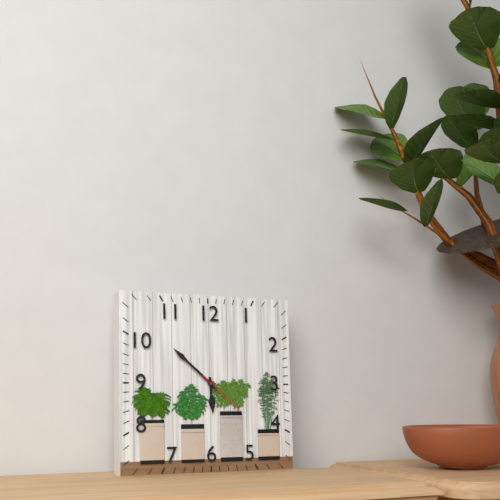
5h52m22s
